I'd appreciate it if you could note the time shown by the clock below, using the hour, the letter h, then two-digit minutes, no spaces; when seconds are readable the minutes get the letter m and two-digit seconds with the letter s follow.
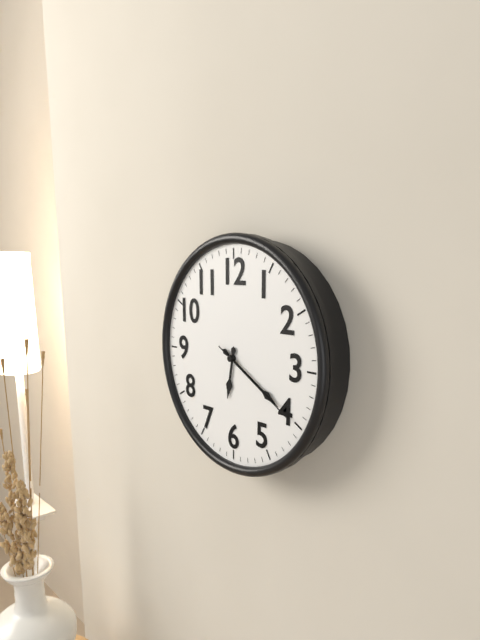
6h20m20s
